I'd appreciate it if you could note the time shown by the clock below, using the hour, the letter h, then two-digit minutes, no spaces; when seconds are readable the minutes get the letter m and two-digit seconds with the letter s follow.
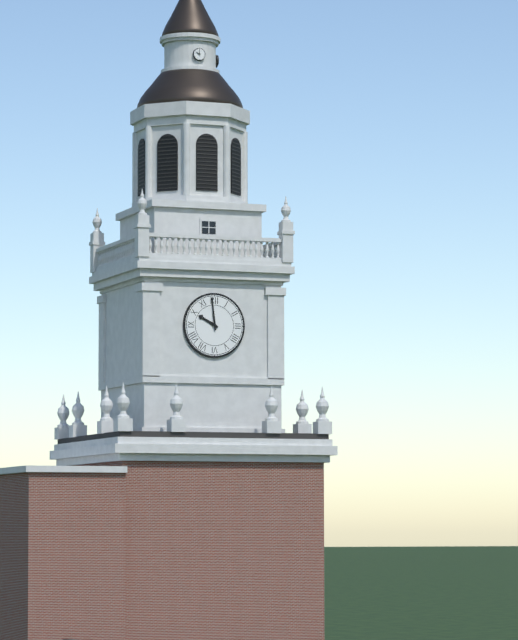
9h59
